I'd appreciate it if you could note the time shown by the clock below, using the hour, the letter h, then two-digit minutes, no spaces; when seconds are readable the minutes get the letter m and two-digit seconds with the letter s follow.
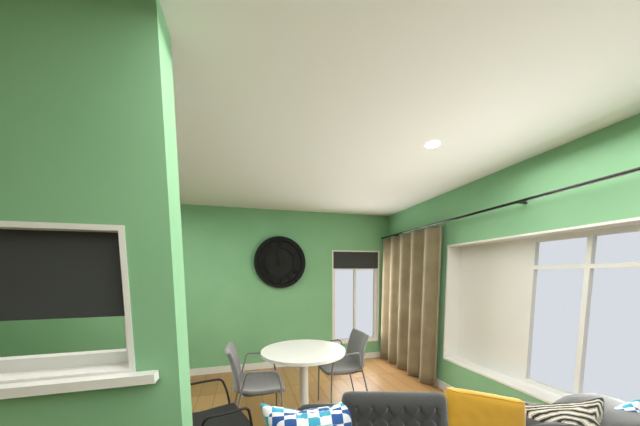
11h43
